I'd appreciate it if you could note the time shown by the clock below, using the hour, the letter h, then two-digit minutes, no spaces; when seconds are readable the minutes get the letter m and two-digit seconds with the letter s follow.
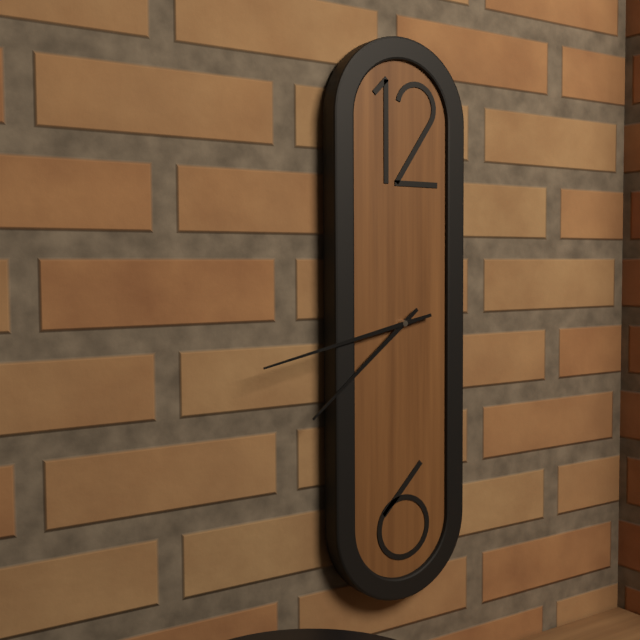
7h43
